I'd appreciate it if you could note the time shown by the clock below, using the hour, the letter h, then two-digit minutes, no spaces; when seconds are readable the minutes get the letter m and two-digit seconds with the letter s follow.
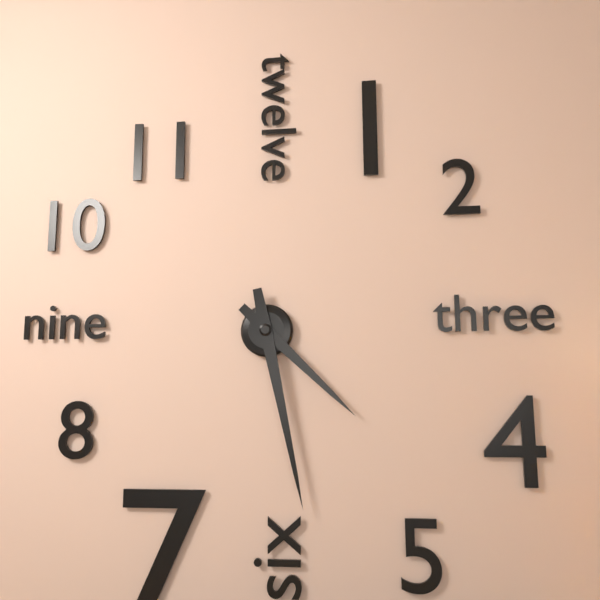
4h28
